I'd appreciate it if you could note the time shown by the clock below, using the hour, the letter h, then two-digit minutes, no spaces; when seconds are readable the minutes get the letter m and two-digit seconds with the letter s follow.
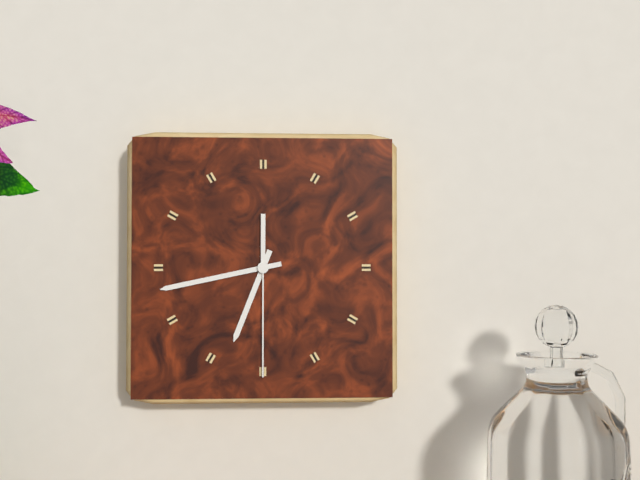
6h43m30s
